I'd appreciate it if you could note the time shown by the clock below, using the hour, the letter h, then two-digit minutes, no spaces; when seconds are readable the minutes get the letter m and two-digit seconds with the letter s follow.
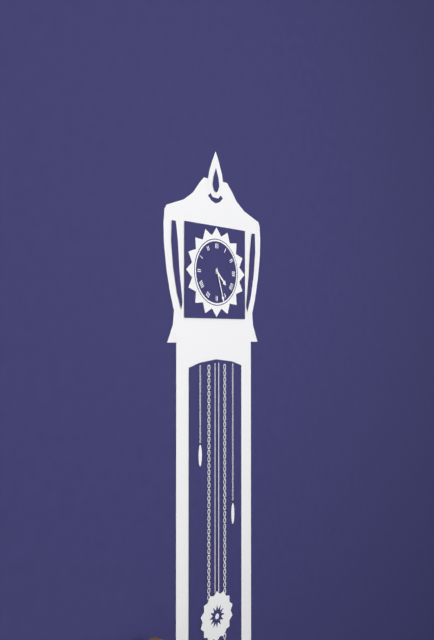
4h27
